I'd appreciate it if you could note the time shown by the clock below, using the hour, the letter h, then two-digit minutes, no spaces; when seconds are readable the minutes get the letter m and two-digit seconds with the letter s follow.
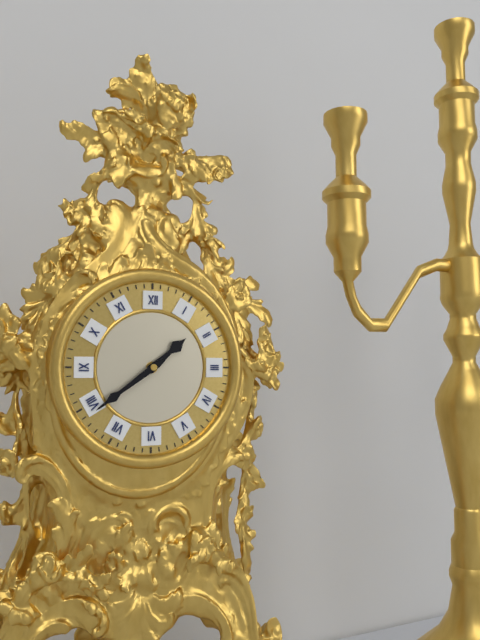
1h39
